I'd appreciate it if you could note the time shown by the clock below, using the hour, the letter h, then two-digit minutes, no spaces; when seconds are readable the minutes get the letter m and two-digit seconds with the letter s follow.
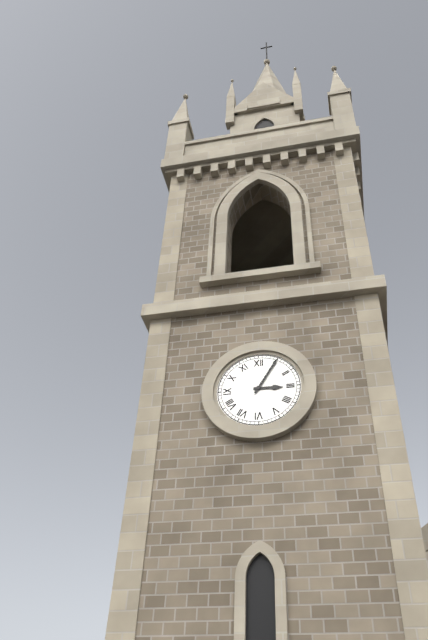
3h05
